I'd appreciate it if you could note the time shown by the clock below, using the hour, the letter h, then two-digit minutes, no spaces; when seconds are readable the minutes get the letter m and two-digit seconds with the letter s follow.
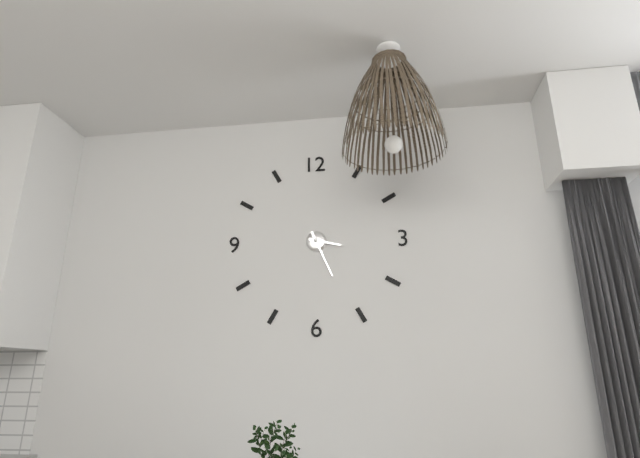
3h26
